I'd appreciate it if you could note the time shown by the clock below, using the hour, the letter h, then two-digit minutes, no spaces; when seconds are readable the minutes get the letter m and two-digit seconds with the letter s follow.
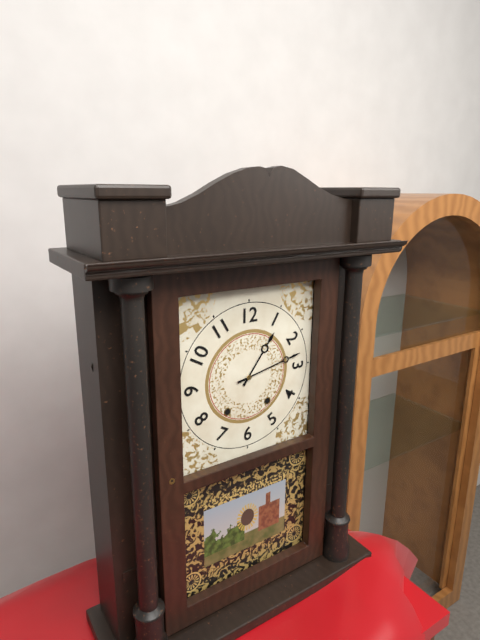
1h13
